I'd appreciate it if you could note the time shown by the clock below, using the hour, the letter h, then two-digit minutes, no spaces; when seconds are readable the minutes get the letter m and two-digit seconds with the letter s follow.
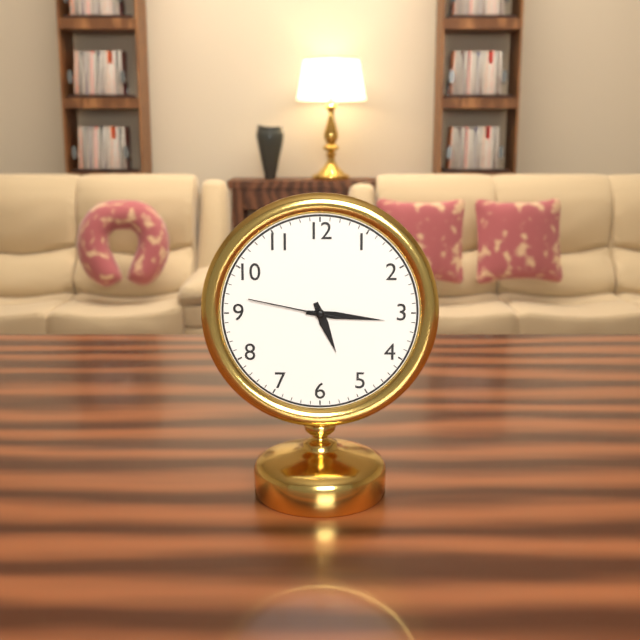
5h16m47s
